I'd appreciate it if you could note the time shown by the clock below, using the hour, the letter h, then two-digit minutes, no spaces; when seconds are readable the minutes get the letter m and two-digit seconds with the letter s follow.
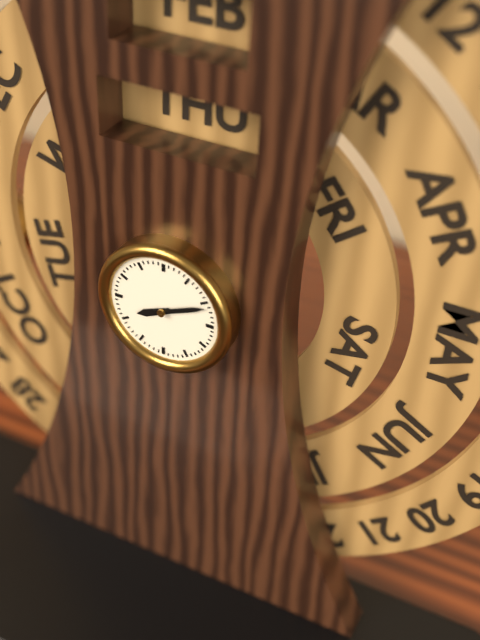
8h11
